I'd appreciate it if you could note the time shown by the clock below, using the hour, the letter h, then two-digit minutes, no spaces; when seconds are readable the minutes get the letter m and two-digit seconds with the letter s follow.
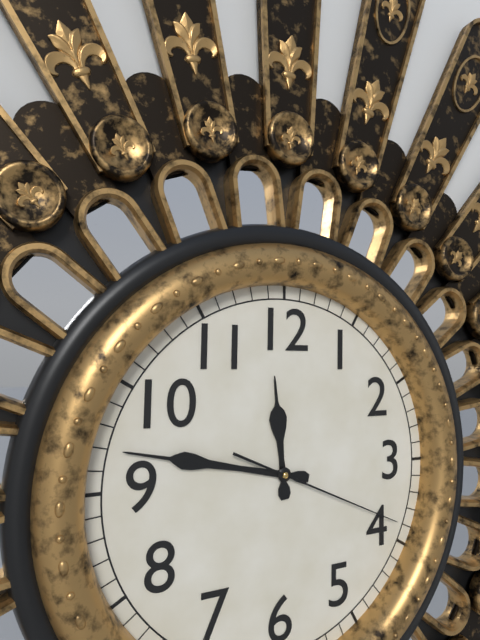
11h47m19s
